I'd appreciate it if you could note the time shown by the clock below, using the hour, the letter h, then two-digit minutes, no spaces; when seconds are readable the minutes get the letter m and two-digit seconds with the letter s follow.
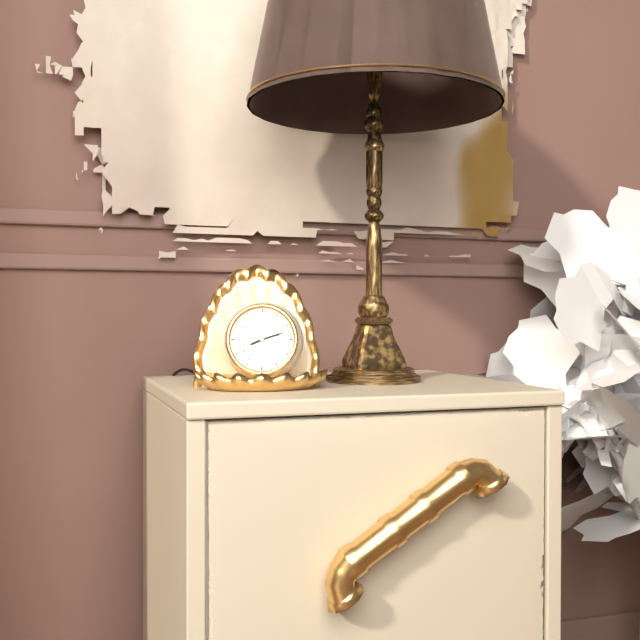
8h12
